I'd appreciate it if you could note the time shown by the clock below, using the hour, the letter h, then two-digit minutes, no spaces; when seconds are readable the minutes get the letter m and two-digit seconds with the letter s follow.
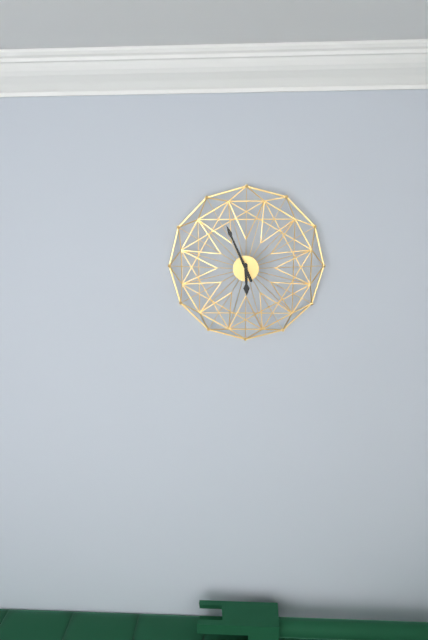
5h56
